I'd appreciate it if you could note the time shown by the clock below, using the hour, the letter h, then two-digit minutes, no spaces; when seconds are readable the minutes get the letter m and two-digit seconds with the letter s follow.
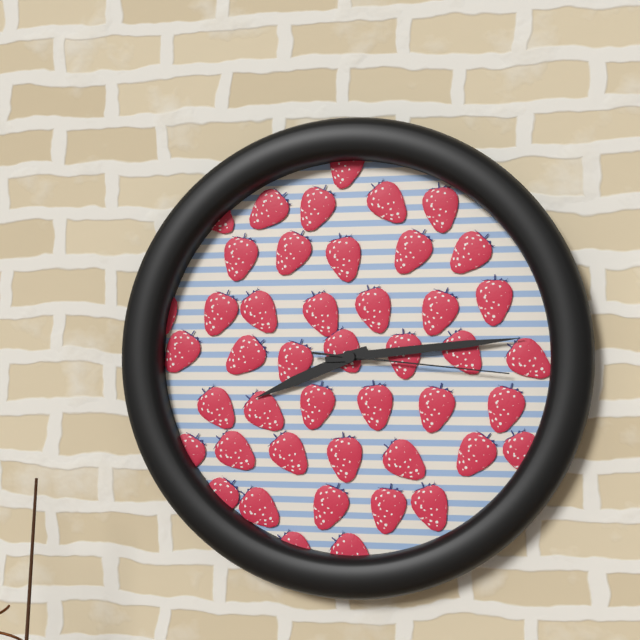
8h14m16s
